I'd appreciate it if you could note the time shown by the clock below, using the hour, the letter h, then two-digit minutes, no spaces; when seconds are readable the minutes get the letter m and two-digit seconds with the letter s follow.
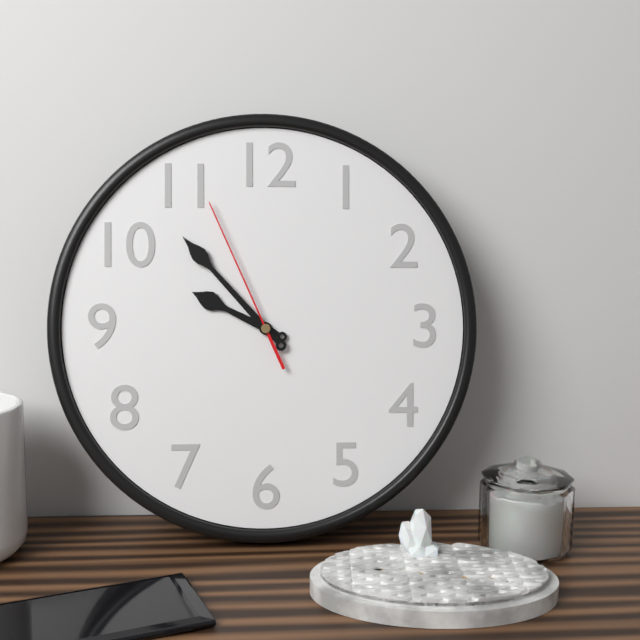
9h53m56s
